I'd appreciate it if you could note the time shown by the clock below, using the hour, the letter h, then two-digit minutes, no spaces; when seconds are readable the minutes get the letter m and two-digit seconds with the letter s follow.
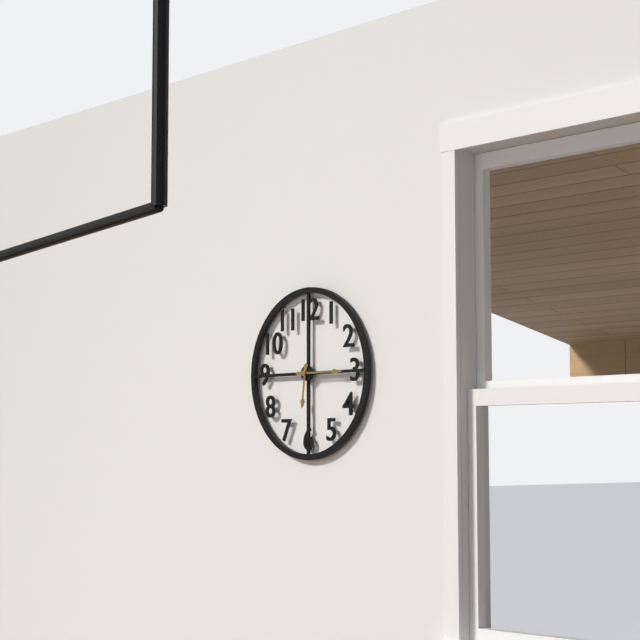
6h15
